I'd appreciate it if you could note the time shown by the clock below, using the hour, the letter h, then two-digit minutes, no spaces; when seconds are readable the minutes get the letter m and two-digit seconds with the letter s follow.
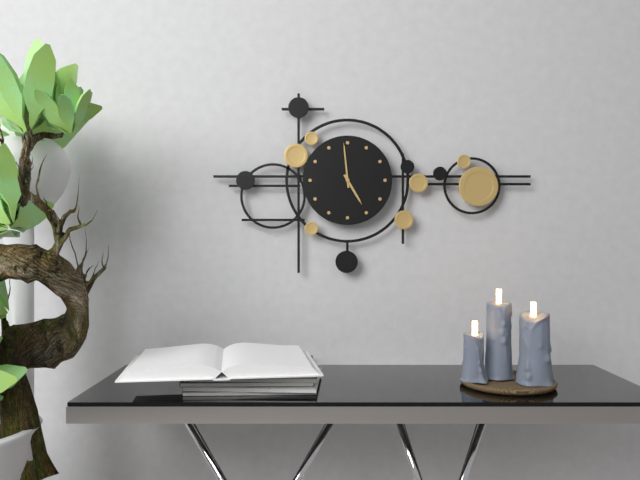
4h59
